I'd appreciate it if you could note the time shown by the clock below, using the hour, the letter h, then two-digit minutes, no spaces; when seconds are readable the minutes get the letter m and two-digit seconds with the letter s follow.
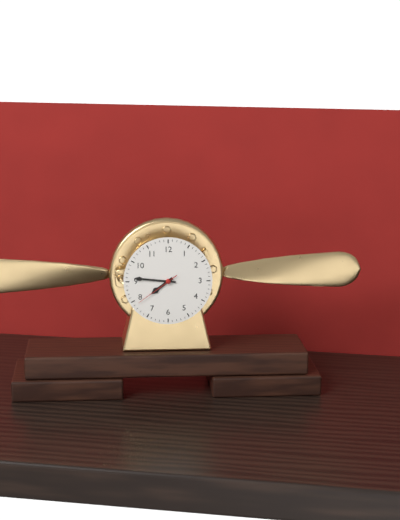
7h46
